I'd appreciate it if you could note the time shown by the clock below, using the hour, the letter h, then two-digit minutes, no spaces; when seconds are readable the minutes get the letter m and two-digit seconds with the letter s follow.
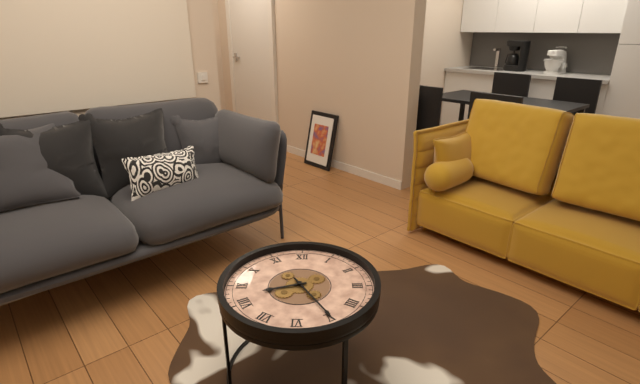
8h25
